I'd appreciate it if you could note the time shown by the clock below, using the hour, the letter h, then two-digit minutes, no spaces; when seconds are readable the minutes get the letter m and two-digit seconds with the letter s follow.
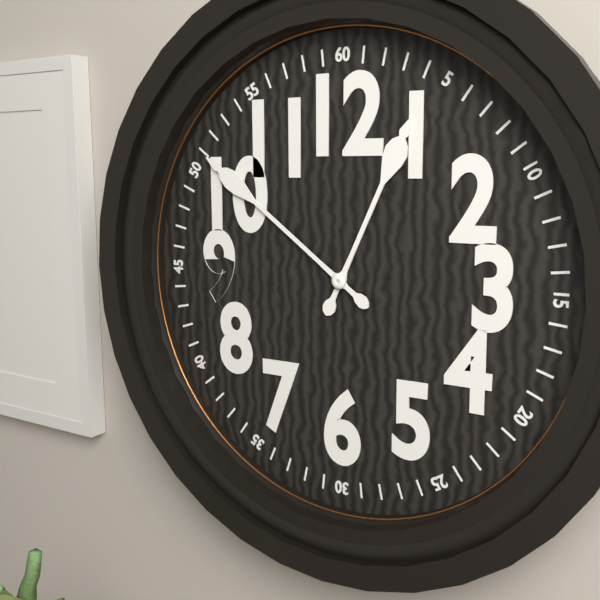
12h51
